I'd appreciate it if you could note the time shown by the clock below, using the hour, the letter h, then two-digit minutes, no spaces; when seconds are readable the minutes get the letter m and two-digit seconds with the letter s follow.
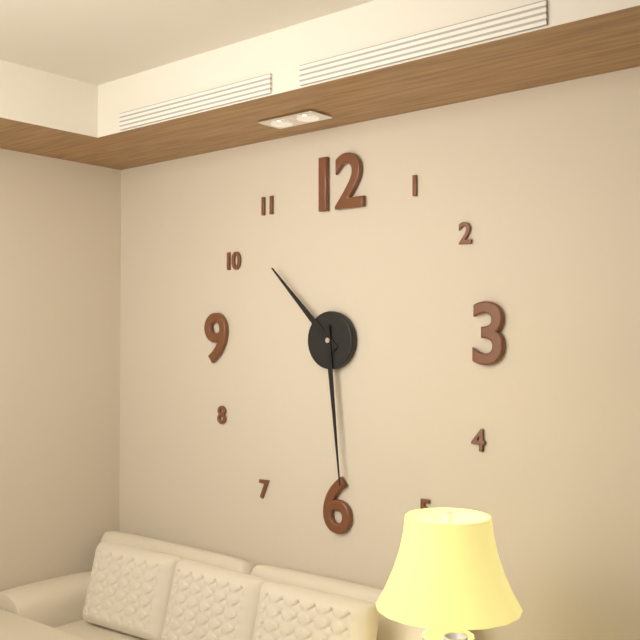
10h29
